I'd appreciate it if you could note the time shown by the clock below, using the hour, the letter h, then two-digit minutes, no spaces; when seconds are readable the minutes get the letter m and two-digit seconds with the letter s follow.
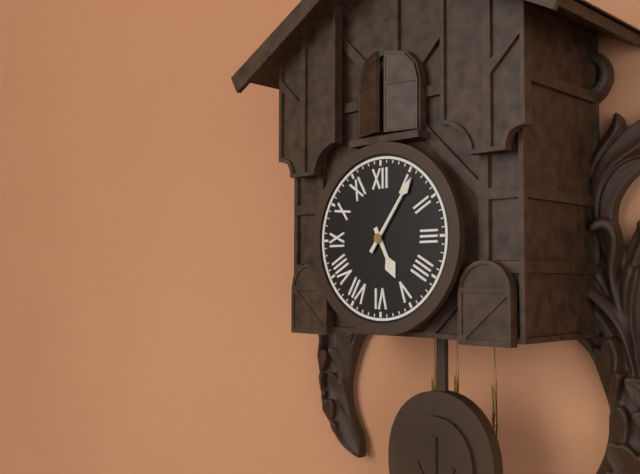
5h06
